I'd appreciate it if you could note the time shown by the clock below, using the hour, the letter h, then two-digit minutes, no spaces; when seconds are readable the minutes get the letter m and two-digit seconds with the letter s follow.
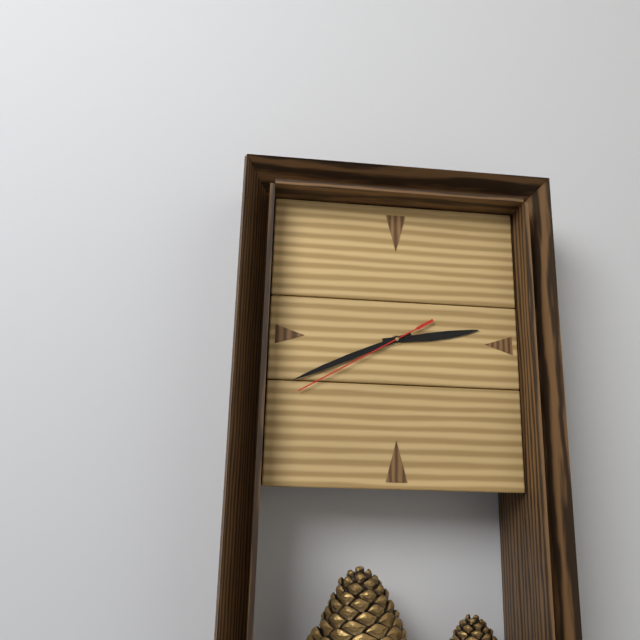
2h41m40s
